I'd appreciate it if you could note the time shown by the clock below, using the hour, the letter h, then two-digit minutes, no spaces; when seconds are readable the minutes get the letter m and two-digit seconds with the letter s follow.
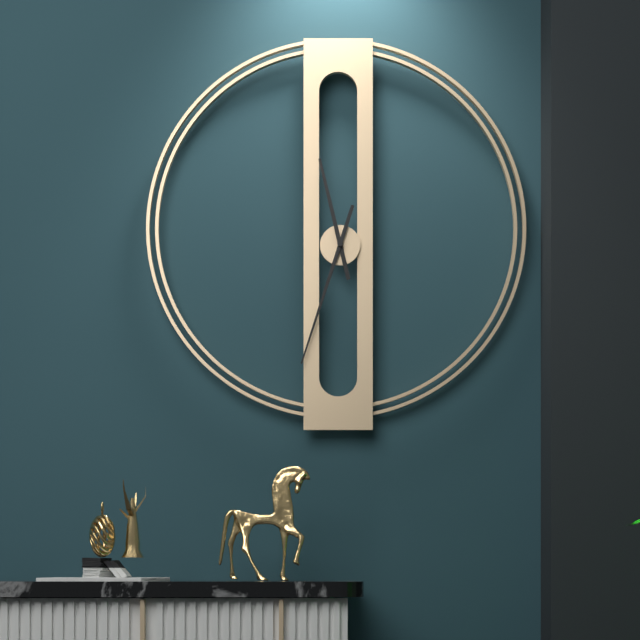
11h33
